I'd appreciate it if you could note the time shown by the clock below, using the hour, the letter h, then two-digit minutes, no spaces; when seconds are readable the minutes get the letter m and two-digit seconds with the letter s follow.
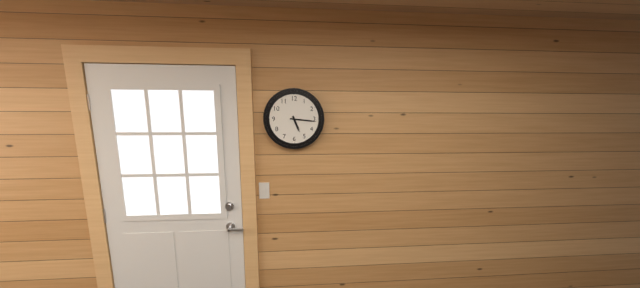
5h16
